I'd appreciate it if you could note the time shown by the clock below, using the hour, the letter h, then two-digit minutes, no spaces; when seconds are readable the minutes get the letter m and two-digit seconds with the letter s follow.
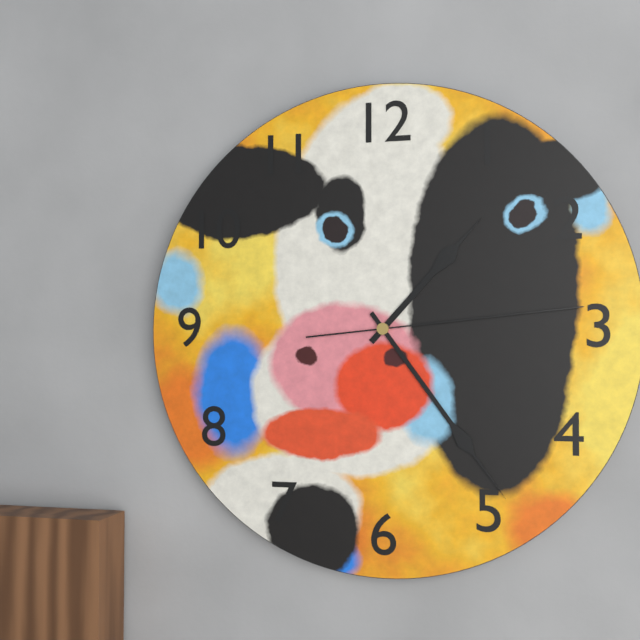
1h24m14s
